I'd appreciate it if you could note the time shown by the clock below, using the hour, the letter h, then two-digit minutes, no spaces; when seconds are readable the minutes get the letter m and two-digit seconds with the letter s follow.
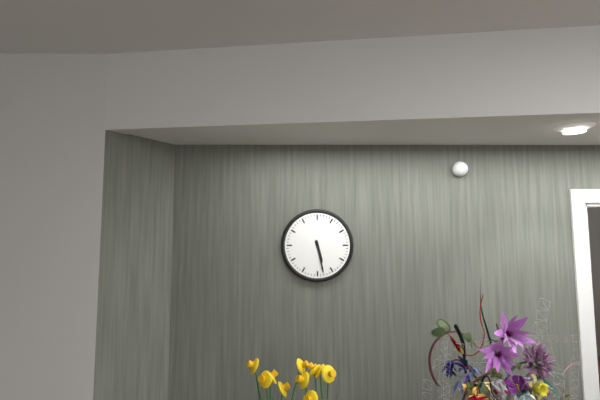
5h28
